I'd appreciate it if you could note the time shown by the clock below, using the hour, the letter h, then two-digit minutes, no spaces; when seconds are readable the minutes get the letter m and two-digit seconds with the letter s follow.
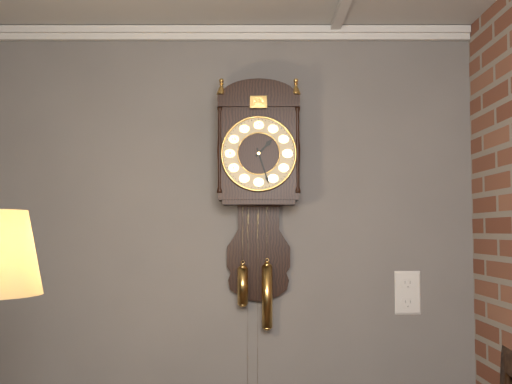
1h27
